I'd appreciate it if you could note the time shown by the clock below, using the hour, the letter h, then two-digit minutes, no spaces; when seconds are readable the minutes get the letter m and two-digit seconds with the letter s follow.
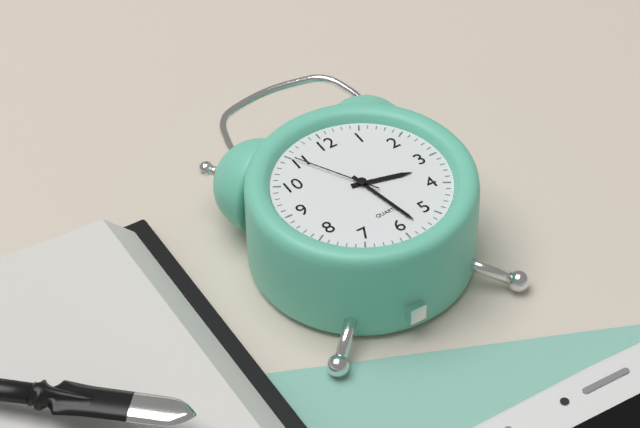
3h28m55s
